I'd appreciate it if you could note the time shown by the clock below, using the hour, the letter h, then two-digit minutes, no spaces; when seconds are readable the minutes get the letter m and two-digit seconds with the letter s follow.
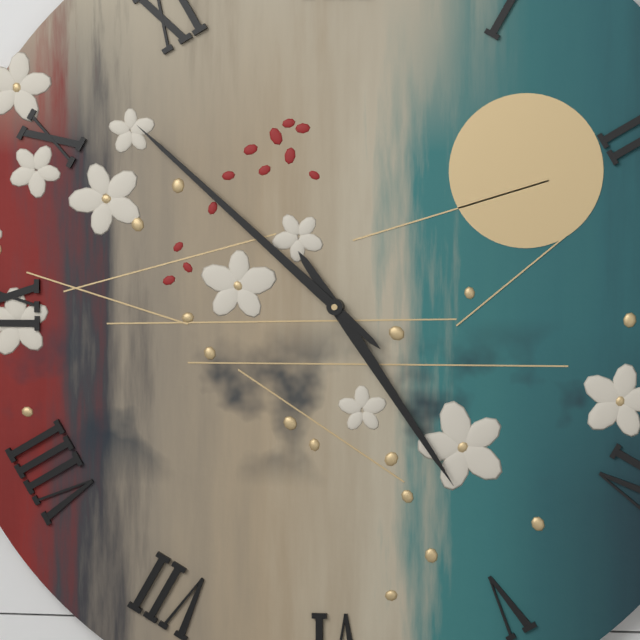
4h52
